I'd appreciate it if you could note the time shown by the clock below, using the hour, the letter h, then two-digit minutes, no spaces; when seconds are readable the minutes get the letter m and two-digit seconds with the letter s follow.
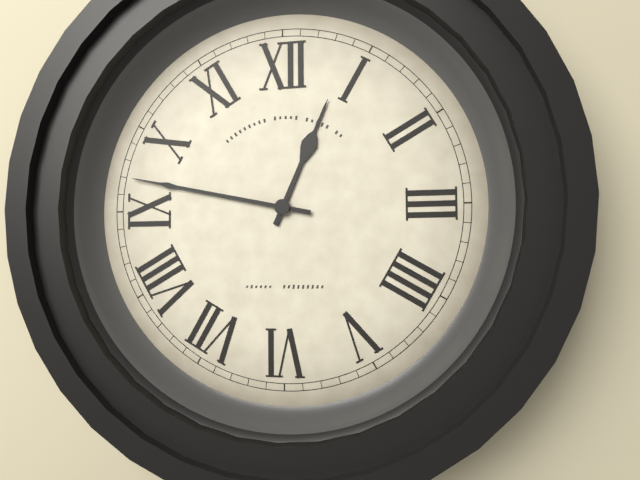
12h47
